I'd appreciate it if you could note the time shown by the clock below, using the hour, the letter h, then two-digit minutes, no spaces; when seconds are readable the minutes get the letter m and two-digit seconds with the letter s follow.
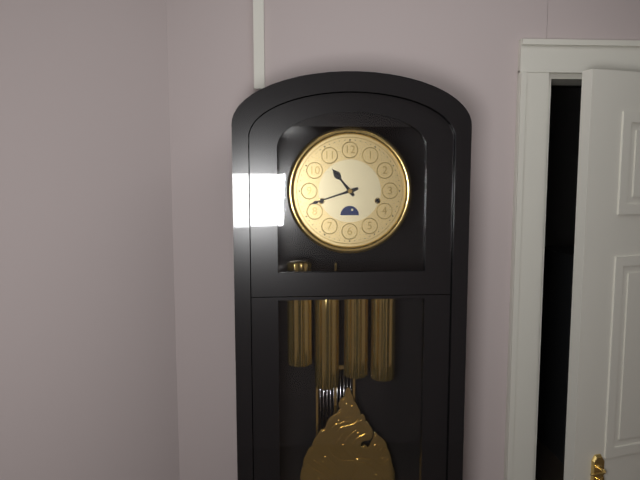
10h42
